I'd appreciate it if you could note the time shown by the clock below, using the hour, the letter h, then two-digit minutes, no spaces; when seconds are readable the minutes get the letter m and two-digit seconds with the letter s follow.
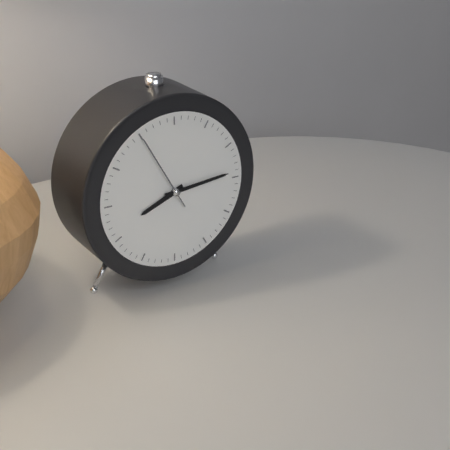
8h14m55s
